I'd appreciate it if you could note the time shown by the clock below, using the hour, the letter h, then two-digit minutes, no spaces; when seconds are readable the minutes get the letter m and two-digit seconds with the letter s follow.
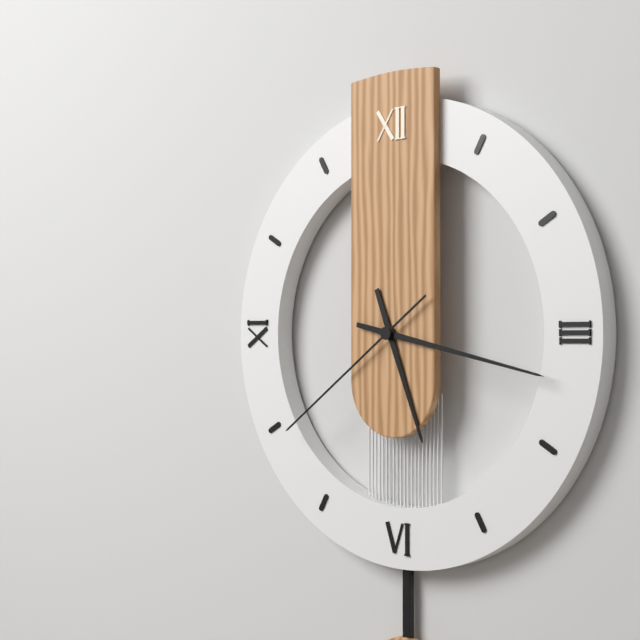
5h17m39s
